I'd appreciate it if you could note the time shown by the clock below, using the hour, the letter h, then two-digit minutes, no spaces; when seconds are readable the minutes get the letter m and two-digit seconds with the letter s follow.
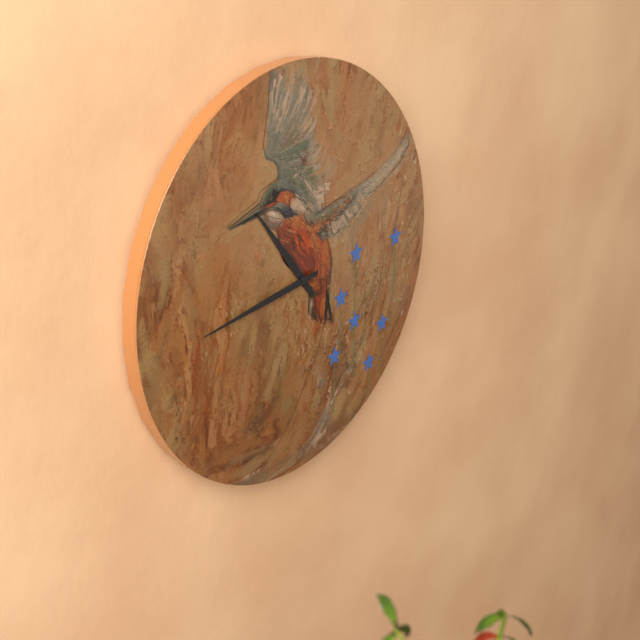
10h44
